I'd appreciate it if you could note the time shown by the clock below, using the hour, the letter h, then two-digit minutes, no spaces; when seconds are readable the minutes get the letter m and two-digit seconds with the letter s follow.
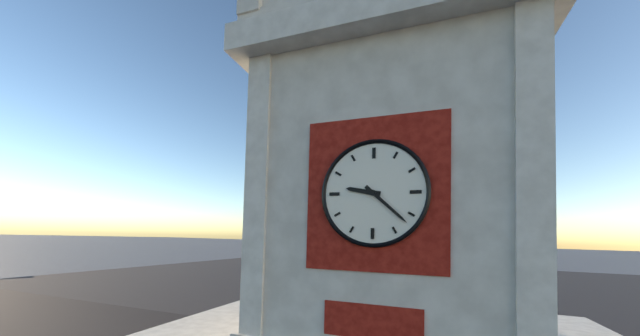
9h22
